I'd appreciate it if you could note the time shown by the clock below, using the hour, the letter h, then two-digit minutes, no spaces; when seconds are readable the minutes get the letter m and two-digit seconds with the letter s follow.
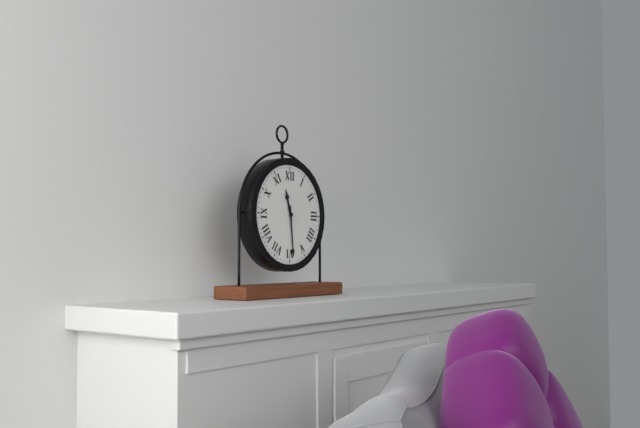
11h29
